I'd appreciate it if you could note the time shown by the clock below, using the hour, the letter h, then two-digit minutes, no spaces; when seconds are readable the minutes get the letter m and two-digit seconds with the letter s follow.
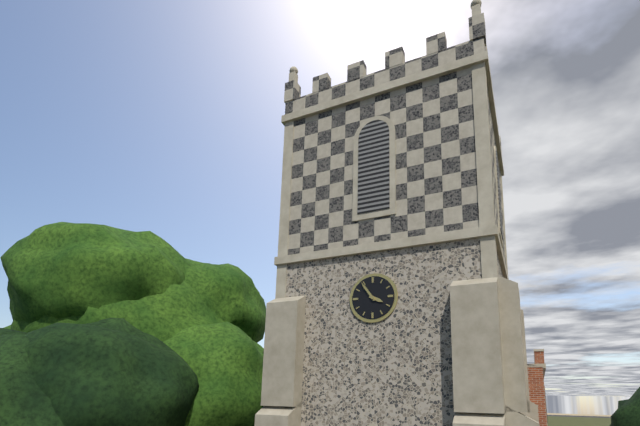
3h54
